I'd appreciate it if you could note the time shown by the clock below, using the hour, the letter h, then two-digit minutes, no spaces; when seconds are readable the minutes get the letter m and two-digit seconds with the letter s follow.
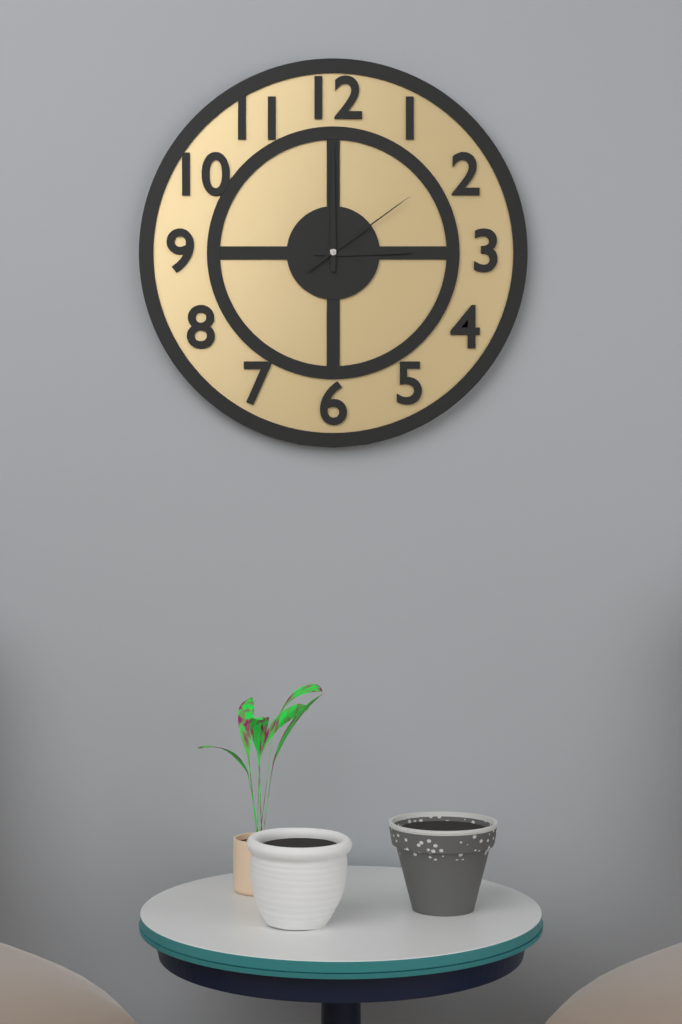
3h00m09s
